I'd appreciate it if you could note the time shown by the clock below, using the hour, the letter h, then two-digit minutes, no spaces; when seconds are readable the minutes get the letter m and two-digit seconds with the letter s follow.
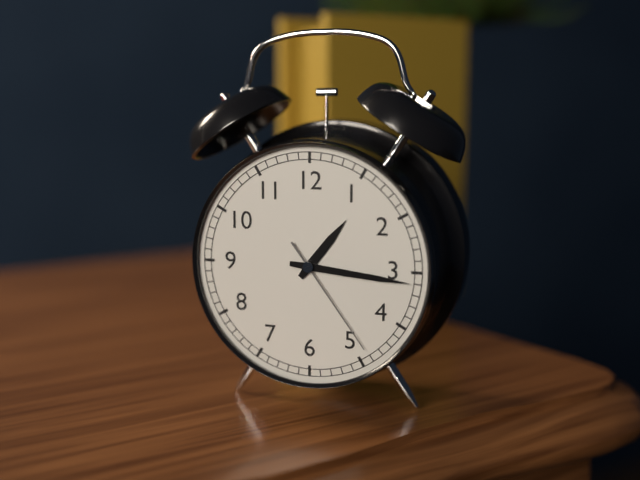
1h16m24s
